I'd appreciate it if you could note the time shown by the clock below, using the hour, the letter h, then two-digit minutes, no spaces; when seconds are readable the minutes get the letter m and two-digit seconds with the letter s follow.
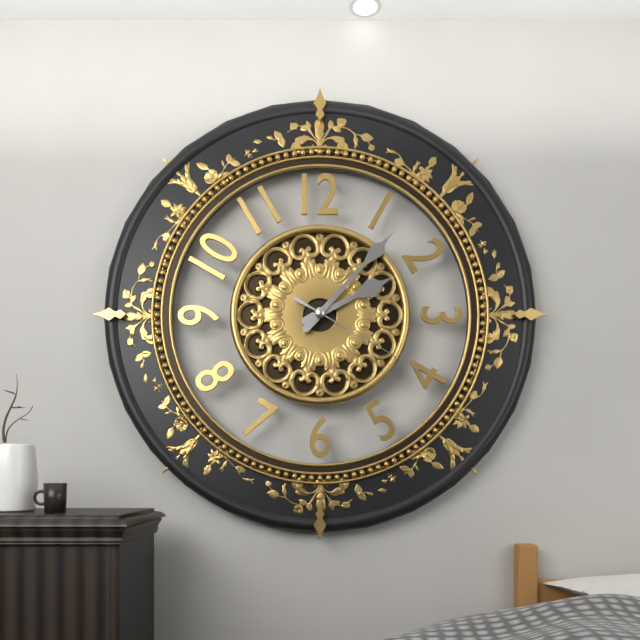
2h07m20s
